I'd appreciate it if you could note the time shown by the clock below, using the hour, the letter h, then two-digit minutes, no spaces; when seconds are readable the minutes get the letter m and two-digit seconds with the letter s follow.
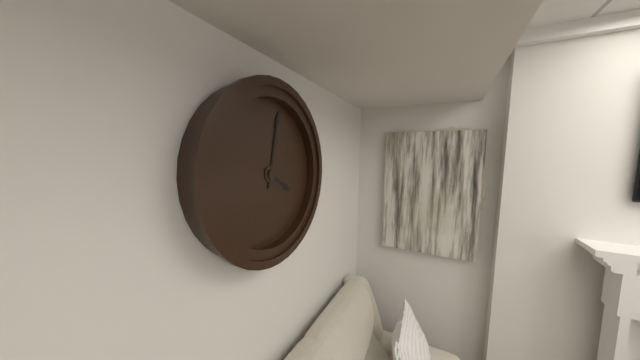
4h02
